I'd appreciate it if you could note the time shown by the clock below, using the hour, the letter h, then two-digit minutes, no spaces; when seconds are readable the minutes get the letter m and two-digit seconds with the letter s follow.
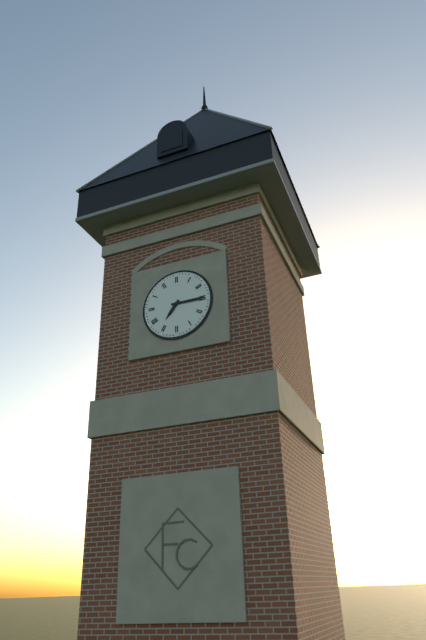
7h15
